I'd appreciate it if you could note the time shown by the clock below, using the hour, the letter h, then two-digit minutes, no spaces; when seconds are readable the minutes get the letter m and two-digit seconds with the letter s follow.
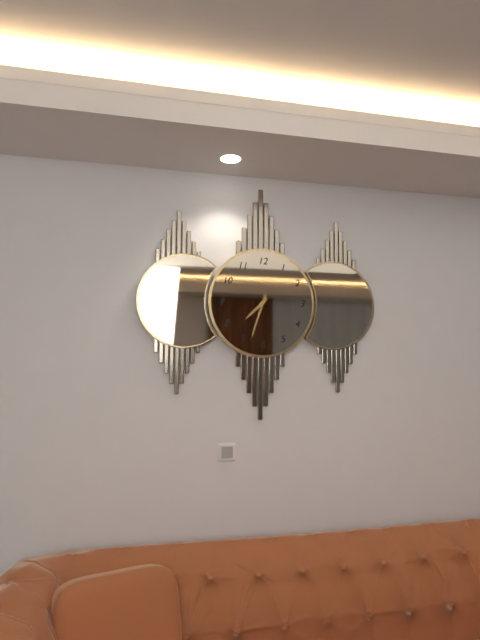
7h33
